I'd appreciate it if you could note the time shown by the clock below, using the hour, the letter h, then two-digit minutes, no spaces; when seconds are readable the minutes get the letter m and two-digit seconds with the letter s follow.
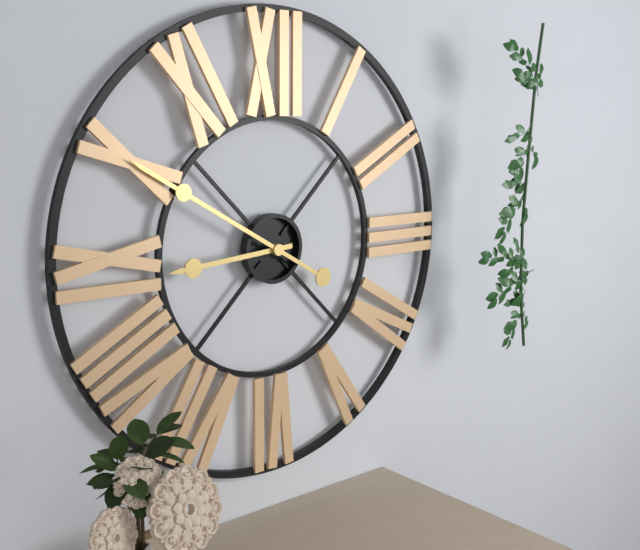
8h50
